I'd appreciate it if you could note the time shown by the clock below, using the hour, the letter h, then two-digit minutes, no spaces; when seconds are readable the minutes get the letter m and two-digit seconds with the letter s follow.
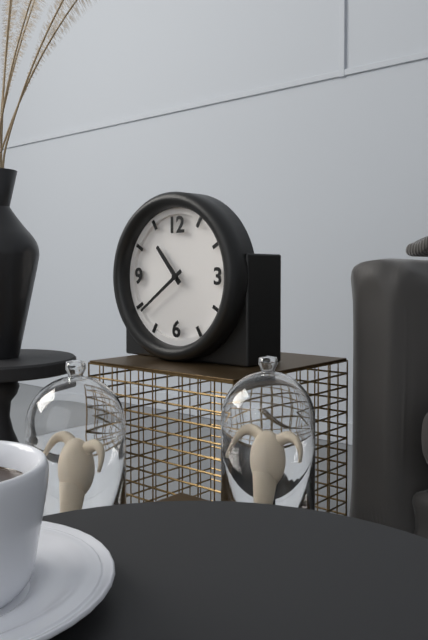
10h39
